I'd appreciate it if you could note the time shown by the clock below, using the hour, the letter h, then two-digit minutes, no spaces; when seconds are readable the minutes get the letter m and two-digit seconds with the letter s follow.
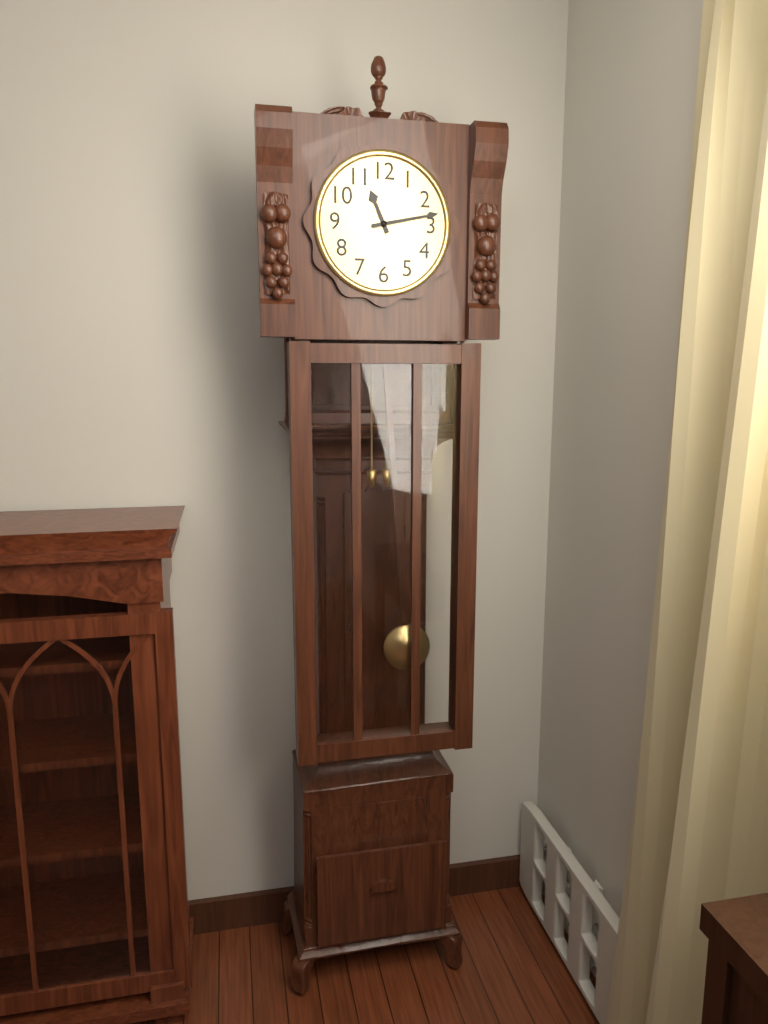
11h13
